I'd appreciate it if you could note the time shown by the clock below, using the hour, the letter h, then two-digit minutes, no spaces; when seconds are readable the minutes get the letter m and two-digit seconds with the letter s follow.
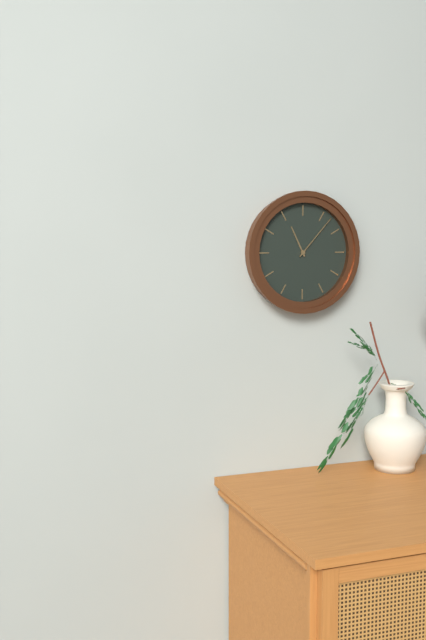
11h07
